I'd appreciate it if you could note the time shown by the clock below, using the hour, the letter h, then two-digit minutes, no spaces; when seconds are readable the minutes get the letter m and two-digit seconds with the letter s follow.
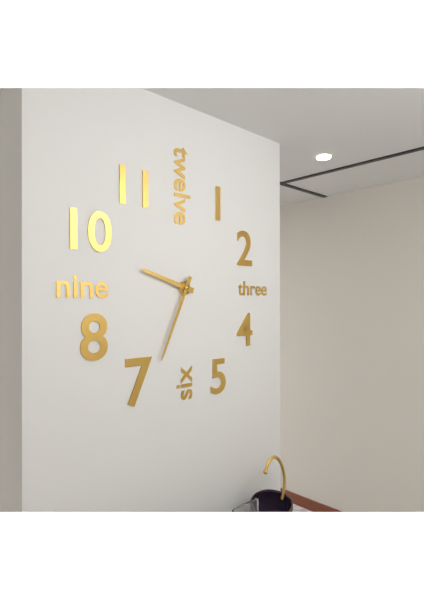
9h34
